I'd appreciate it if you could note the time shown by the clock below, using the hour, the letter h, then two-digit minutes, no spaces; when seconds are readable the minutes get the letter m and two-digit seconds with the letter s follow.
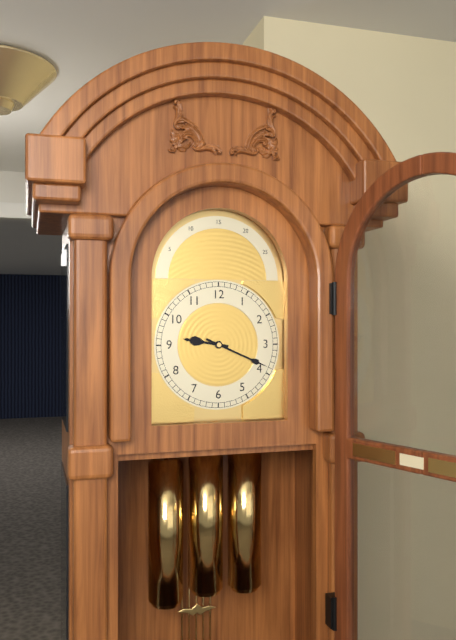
9h19
